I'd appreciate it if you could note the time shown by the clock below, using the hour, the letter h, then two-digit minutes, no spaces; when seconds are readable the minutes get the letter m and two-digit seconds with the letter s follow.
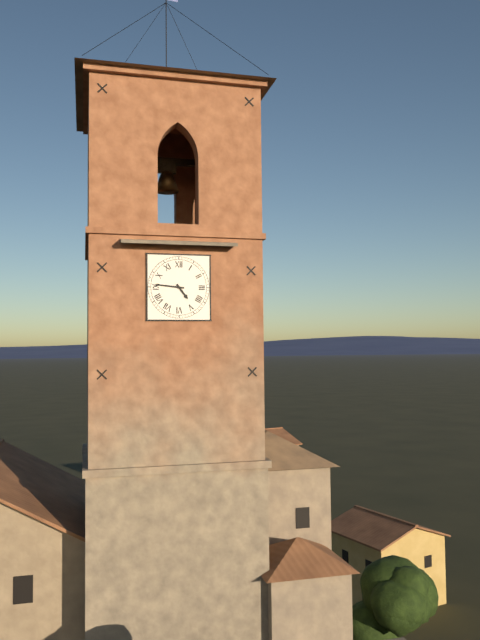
4h46
